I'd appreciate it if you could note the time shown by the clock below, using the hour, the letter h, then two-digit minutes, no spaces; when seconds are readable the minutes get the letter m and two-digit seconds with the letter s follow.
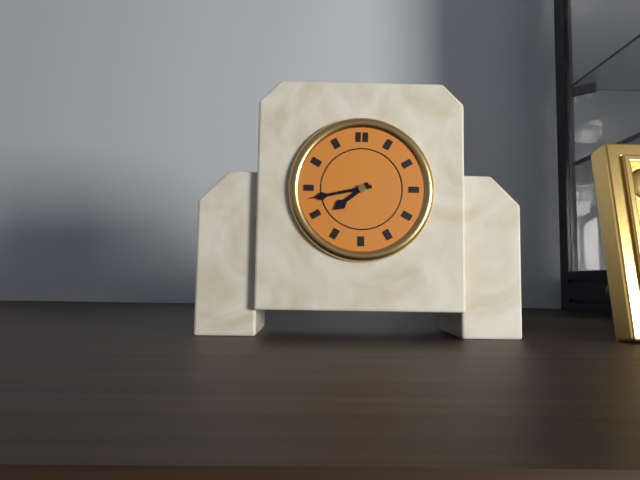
7h43
